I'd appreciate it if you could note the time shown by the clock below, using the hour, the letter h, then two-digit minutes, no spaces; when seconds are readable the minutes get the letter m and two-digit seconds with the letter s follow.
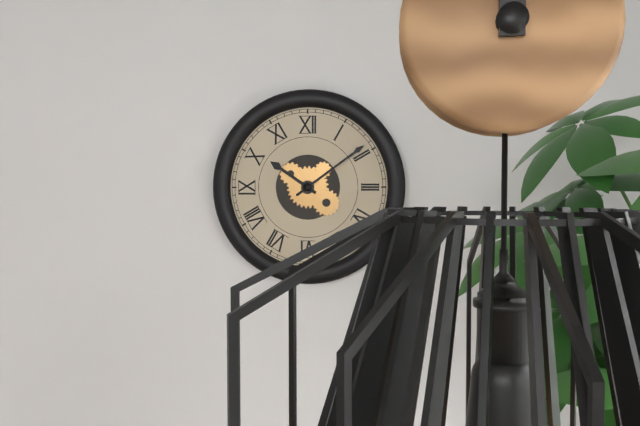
10h09
